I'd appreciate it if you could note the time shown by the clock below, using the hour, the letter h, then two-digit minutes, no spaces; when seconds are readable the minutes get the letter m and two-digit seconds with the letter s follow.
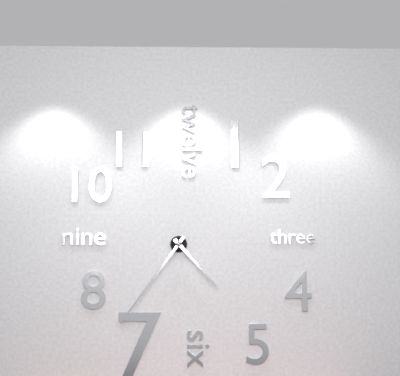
4h36
